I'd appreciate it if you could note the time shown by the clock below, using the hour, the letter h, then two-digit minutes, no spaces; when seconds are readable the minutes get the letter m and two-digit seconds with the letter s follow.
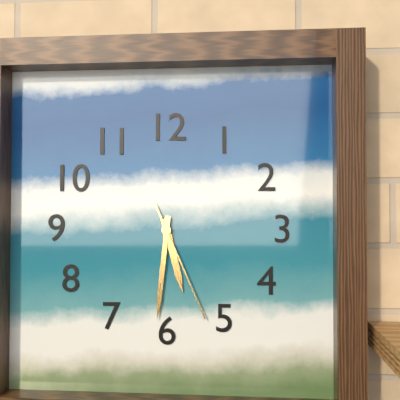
5h31m26s
